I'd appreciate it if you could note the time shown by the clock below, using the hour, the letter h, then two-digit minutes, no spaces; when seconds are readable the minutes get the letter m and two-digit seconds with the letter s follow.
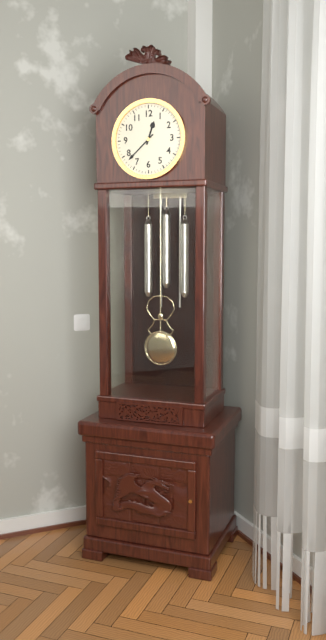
12h38
